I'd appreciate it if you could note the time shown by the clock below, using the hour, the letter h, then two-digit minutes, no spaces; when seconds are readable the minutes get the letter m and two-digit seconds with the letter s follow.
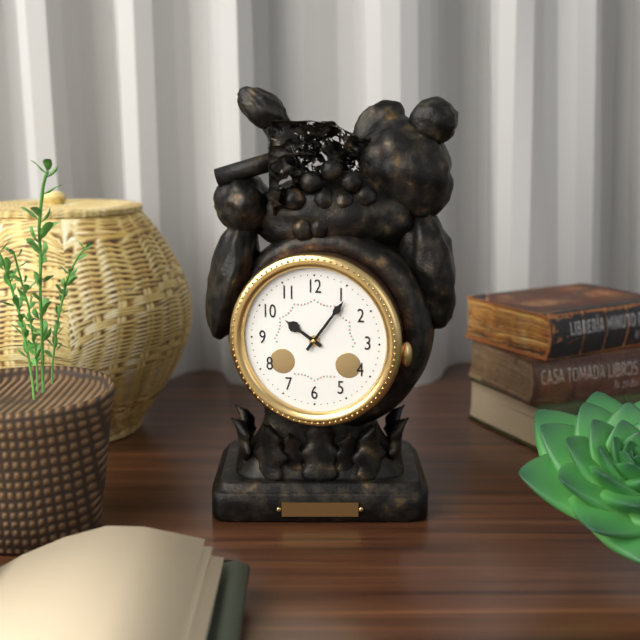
10h06
